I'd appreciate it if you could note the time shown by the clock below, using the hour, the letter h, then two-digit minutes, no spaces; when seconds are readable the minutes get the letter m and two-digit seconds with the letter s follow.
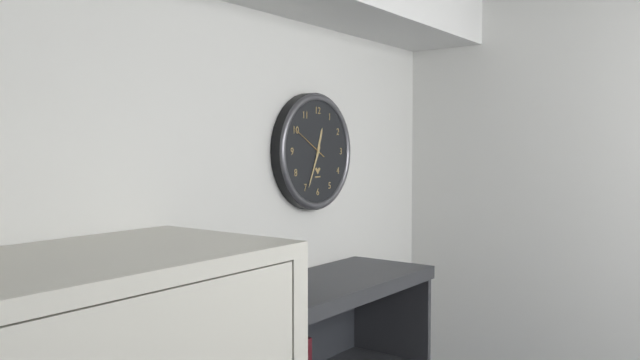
12h34
